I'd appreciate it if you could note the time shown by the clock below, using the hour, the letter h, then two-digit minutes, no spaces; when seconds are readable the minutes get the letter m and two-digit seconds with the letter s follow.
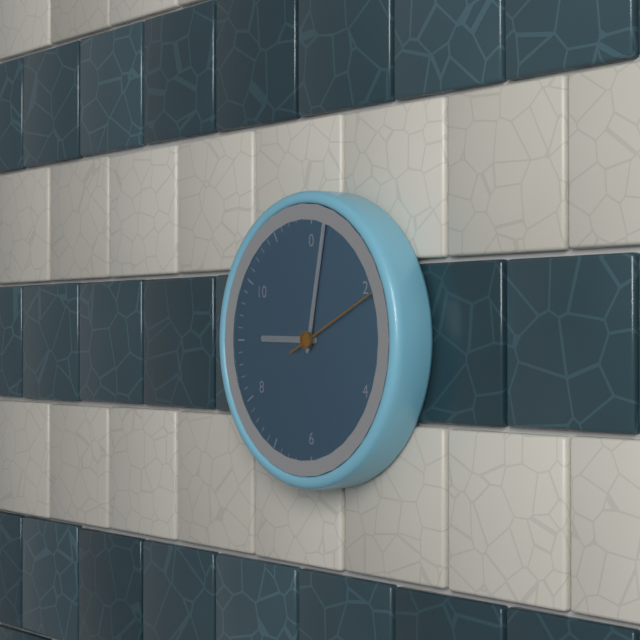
9h02m11s
